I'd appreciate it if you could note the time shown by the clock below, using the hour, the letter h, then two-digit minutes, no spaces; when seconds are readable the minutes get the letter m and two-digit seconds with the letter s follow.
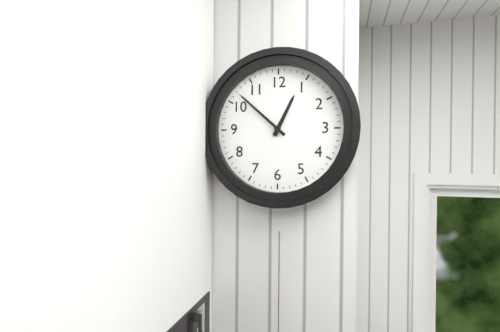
12h52
